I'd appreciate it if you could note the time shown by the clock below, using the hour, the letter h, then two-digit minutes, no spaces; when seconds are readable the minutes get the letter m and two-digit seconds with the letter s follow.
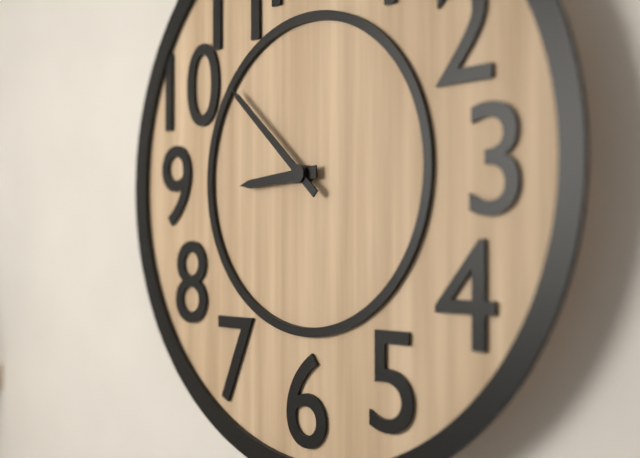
8h52
